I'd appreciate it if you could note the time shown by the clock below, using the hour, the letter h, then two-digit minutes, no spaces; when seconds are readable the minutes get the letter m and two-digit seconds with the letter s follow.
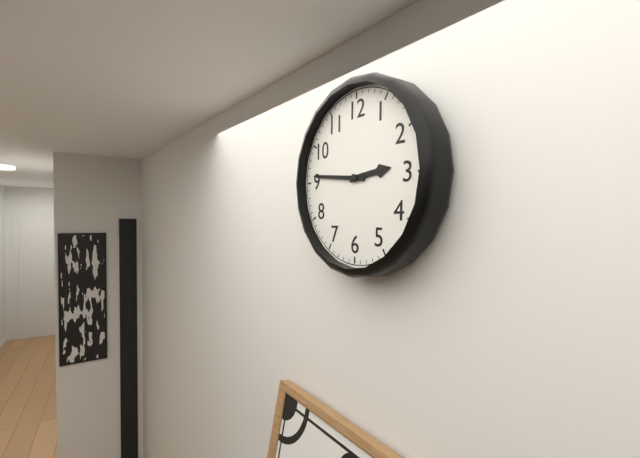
2h46
